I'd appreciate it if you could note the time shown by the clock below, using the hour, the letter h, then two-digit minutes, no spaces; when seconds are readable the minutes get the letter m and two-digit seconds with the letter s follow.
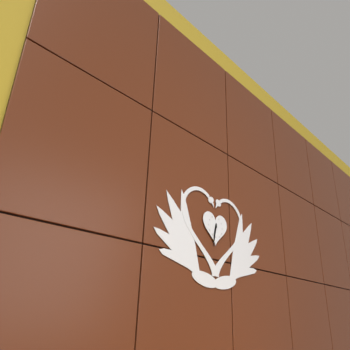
6h32
